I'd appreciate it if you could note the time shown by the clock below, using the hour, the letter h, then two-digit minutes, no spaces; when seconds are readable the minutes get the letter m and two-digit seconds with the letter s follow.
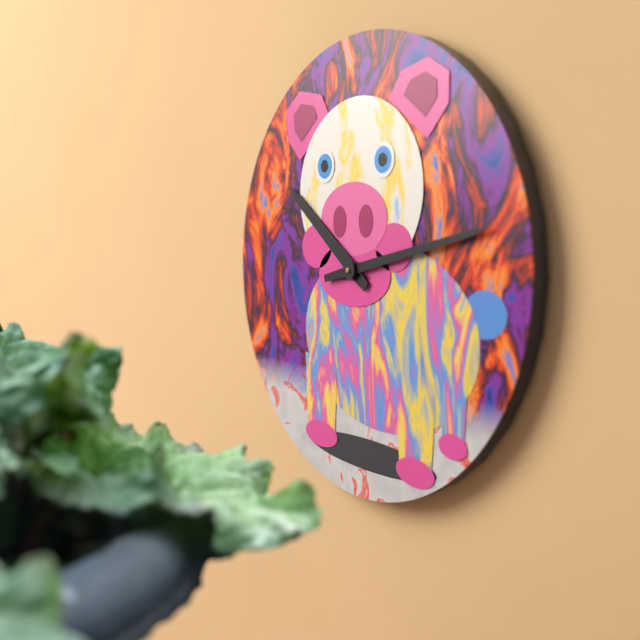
10h13
